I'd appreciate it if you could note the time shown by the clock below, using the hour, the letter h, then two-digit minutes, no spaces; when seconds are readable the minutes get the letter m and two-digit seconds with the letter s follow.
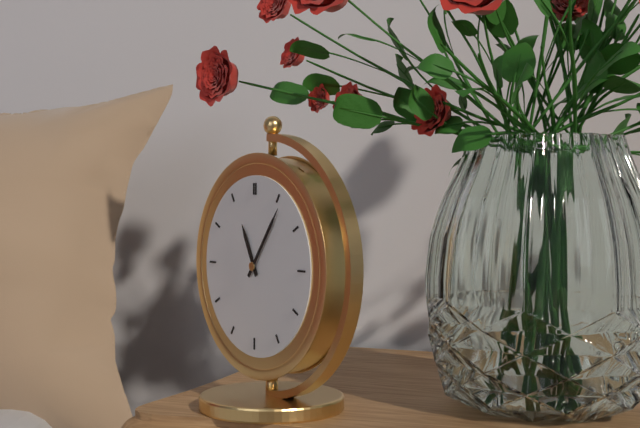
11h06
